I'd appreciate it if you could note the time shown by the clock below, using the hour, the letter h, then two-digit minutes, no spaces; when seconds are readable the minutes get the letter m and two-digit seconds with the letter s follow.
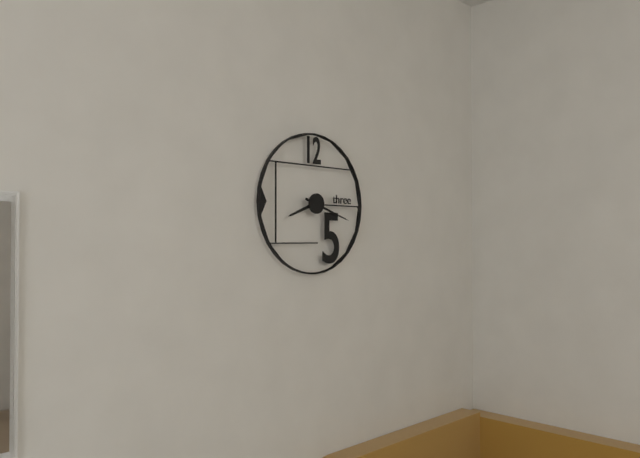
8h18
